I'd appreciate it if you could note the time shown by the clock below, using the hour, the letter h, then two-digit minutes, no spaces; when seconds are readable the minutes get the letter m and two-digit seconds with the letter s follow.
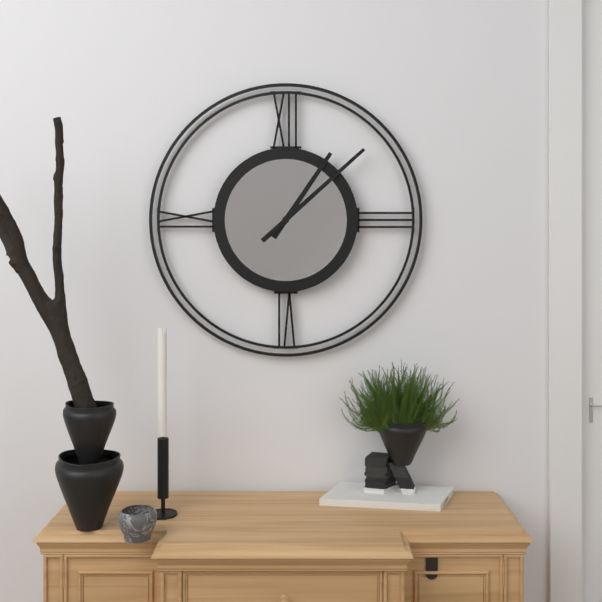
1h08
